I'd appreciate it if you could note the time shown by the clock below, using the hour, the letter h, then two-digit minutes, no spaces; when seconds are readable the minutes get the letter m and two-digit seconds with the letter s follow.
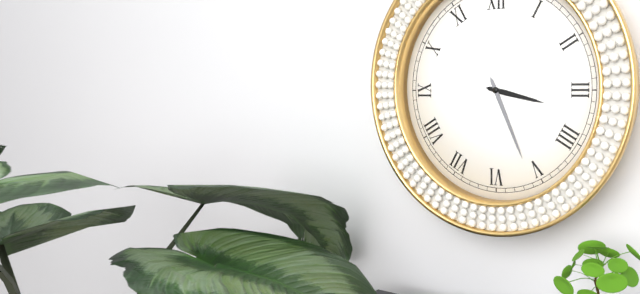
3h26
